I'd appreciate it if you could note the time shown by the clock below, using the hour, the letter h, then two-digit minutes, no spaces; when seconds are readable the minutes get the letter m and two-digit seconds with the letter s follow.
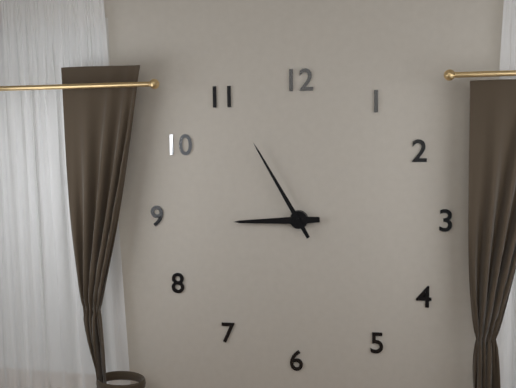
8h55
